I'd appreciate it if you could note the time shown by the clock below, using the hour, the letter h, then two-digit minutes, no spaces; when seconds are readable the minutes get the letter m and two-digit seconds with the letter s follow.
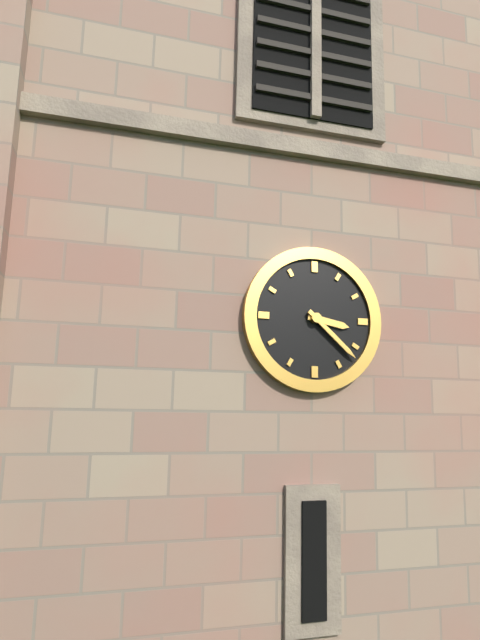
3h22
